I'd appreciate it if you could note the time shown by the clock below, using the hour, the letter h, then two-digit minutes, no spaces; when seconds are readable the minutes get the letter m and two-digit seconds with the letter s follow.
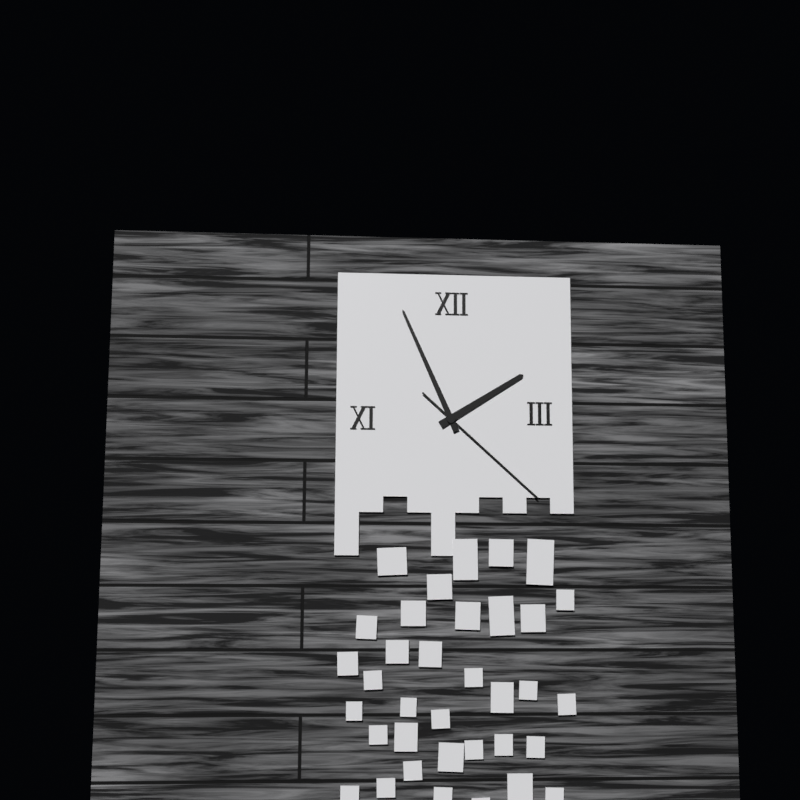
1h56m22s
